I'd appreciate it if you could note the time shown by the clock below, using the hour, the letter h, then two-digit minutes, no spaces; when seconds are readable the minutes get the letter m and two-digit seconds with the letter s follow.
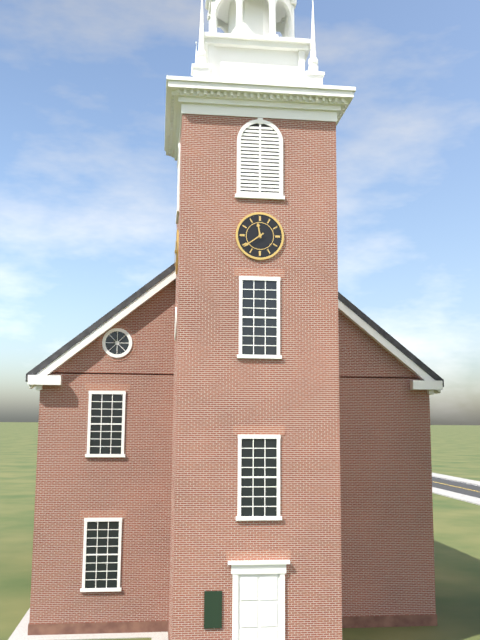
11h39
